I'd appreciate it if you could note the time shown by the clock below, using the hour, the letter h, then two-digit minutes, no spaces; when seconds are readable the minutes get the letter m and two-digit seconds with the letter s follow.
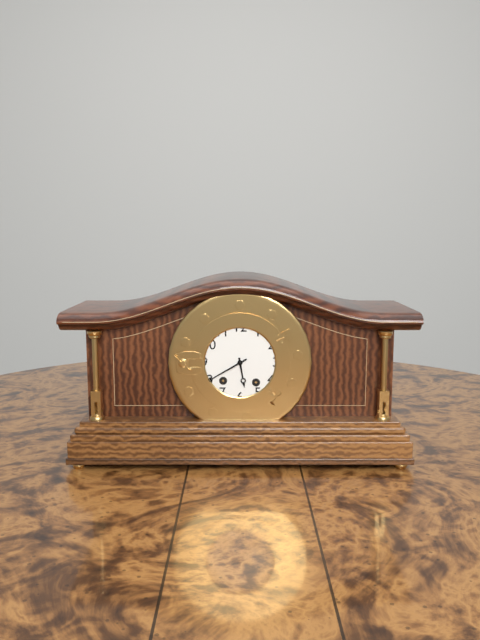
5h40
